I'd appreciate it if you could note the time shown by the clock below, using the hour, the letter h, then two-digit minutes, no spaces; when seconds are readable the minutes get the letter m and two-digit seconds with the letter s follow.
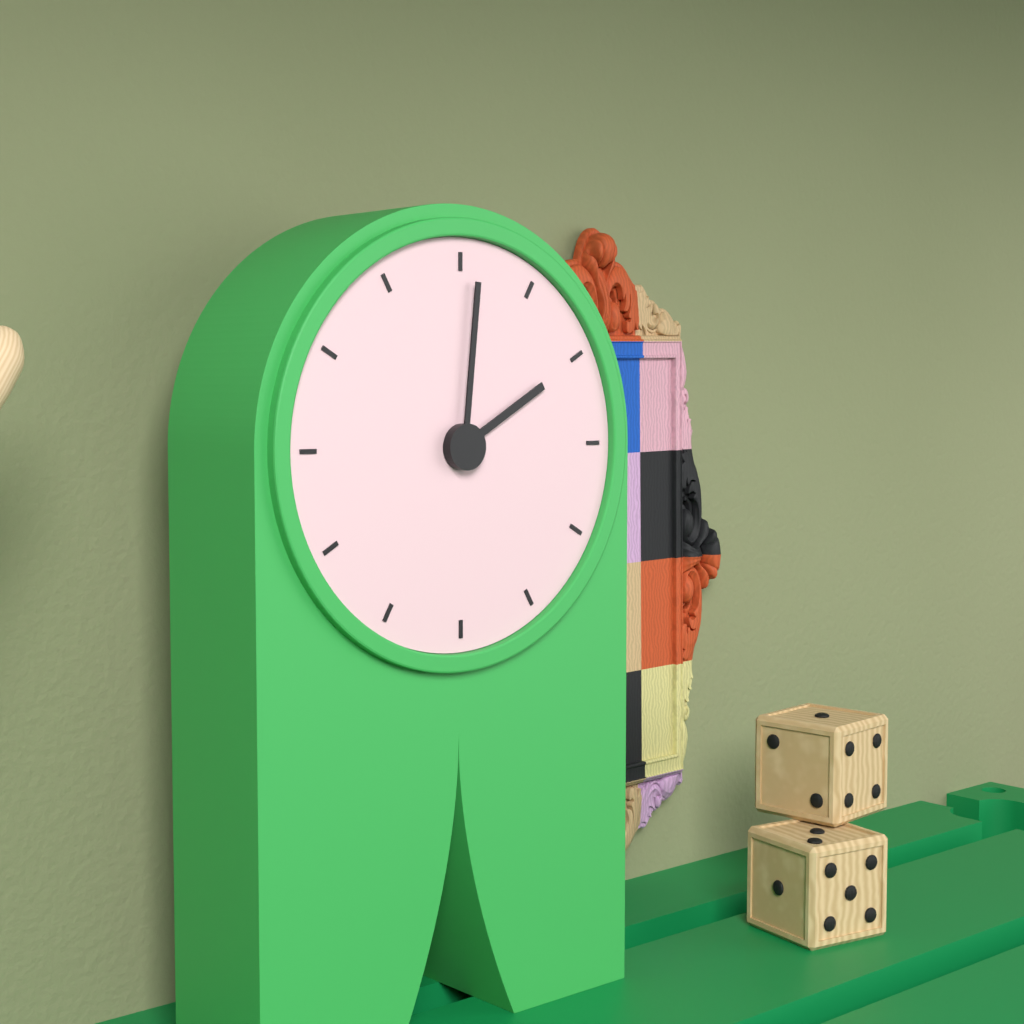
2h01
